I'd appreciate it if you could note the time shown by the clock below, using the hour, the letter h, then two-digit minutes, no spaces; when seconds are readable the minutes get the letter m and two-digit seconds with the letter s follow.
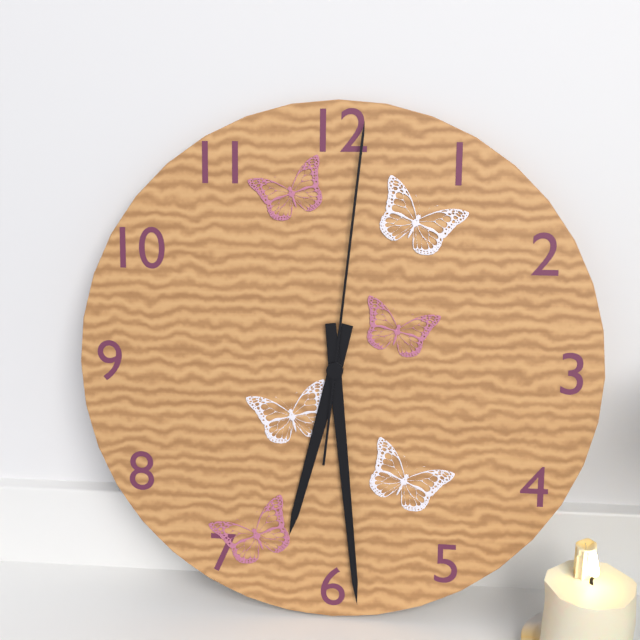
6h29m01s
